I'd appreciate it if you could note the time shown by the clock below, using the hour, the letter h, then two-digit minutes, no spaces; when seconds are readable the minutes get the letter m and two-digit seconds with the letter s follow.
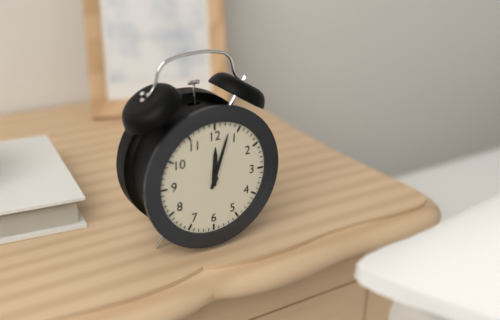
12h03
